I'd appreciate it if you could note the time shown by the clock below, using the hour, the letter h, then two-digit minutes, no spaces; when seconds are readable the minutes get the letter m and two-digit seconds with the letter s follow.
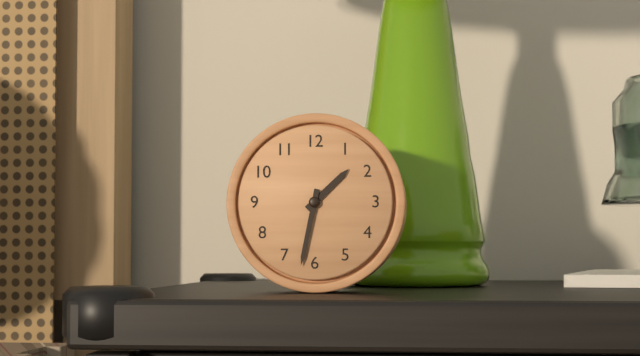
1h32
